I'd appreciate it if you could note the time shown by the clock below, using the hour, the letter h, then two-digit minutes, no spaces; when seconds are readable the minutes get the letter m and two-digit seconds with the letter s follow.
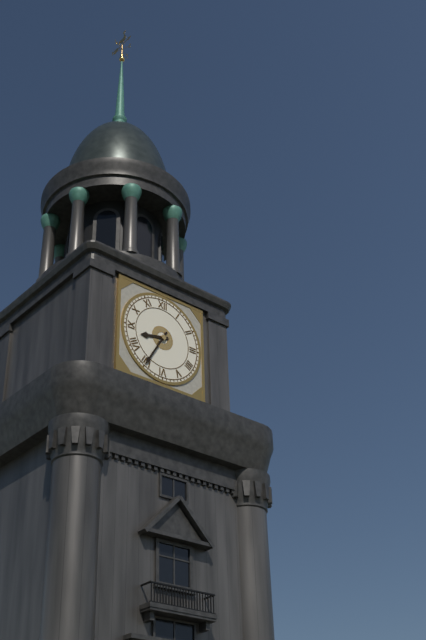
8h35
